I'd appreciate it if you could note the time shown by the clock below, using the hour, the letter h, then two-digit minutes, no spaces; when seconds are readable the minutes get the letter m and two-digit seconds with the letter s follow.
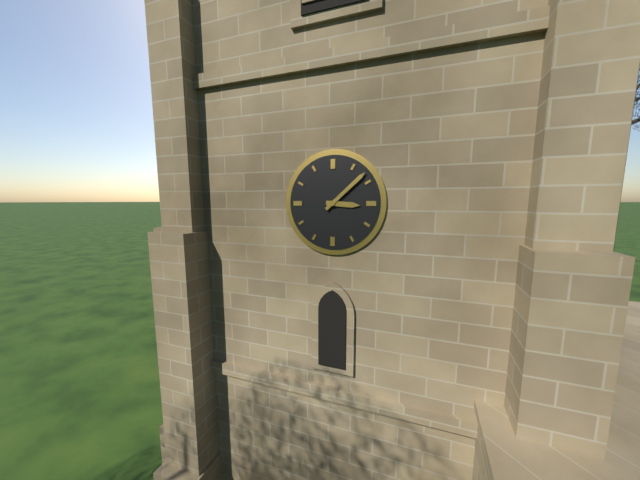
3h08
